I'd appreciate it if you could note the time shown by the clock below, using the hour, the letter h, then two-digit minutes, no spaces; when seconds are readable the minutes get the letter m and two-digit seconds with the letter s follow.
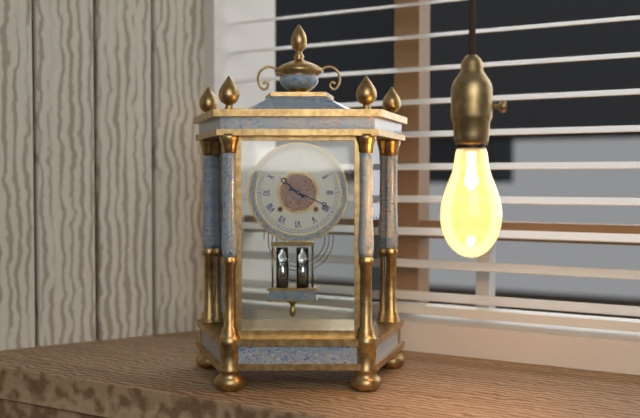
10h19
